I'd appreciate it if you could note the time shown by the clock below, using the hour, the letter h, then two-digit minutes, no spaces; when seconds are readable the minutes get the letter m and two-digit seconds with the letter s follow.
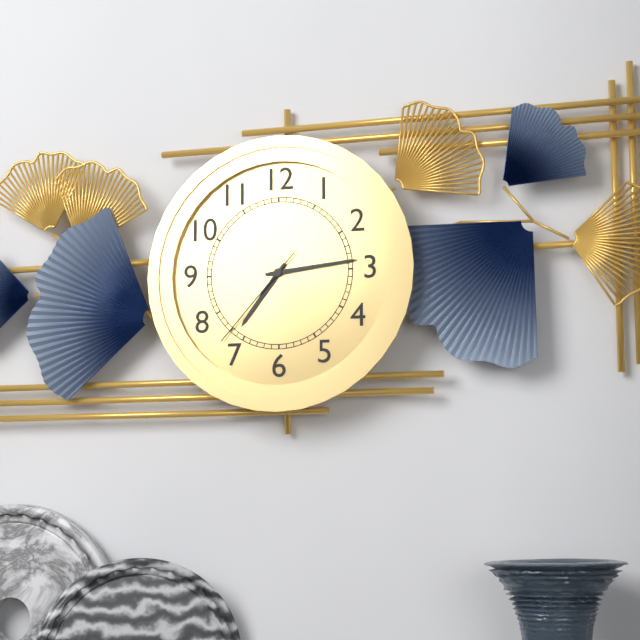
7h14m37s
